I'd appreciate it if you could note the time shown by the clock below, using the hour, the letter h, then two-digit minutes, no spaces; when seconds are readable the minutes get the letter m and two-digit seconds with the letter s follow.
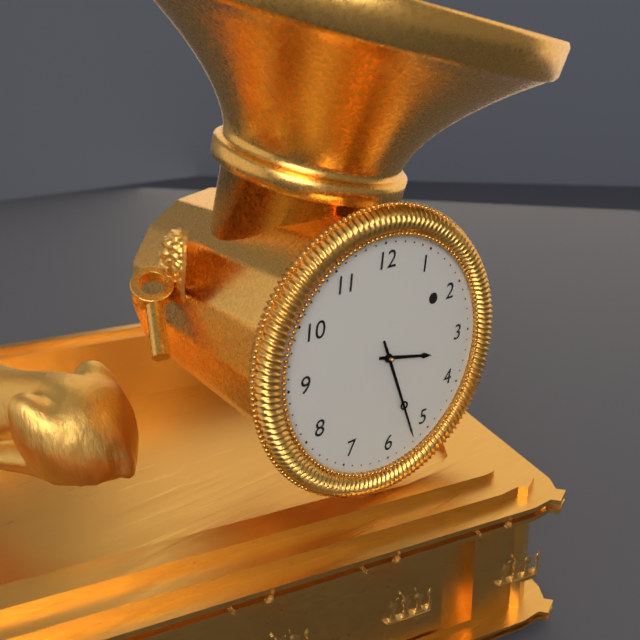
3h27
